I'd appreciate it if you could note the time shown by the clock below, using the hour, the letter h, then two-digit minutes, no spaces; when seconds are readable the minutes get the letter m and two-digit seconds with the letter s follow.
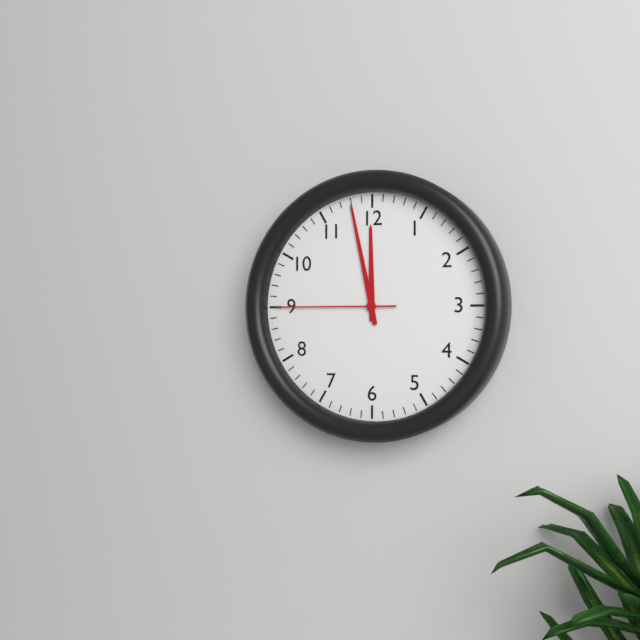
11h58m45s
